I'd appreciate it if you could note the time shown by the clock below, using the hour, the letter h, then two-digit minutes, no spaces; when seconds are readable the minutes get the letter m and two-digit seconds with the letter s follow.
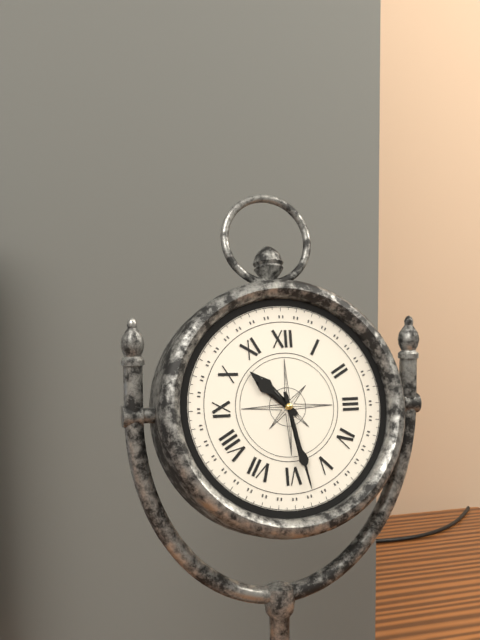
10h28
